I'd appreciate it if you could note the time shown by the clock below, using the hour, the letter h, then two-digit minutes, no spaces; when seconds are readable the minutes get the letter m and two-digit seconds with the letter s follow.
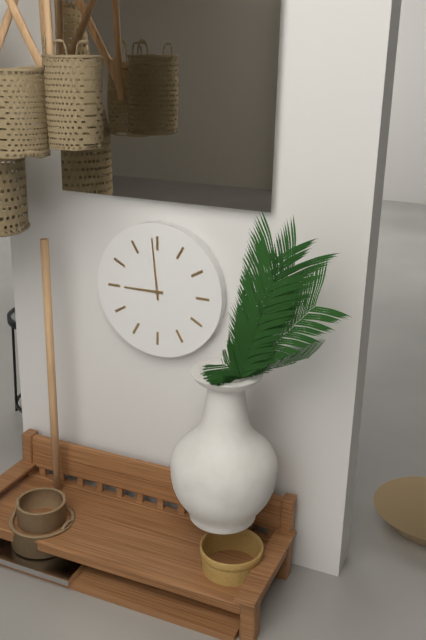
8h59
